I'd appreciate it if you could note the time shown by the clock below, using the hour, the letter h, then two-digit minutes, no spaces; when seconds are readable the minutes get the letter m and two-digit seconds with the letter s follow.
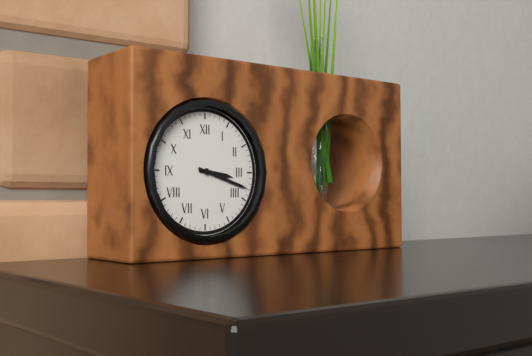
3h18
